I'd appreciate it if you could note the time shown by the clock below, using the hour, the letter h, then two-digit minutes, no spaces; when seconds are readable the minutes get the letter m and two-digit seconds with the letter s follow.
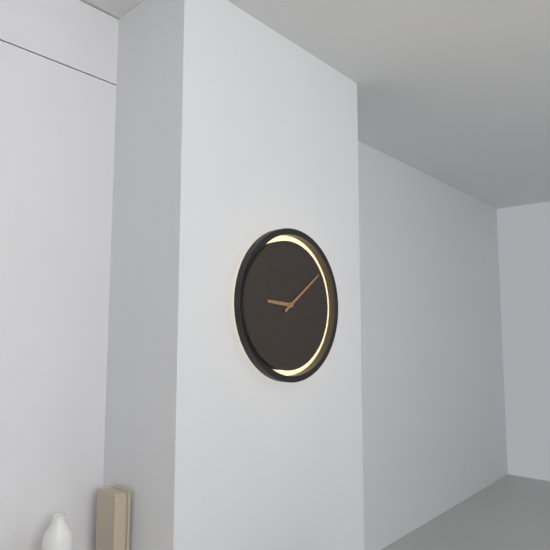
9h09
